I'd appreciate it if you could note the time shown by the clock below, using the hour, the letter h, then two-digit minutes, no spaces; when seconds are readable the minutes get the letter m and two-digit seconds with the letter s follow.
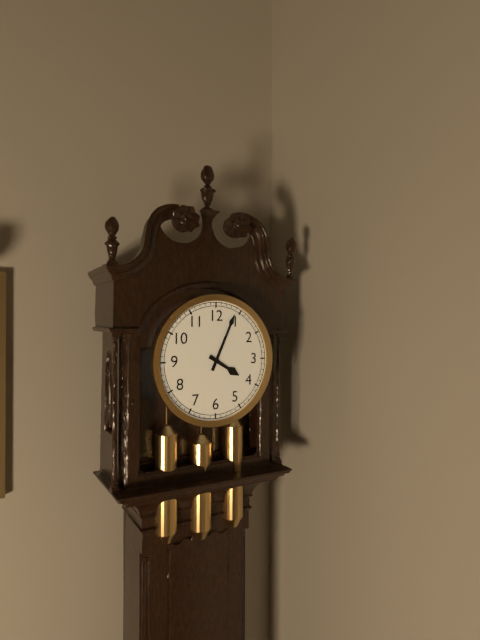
4h04
